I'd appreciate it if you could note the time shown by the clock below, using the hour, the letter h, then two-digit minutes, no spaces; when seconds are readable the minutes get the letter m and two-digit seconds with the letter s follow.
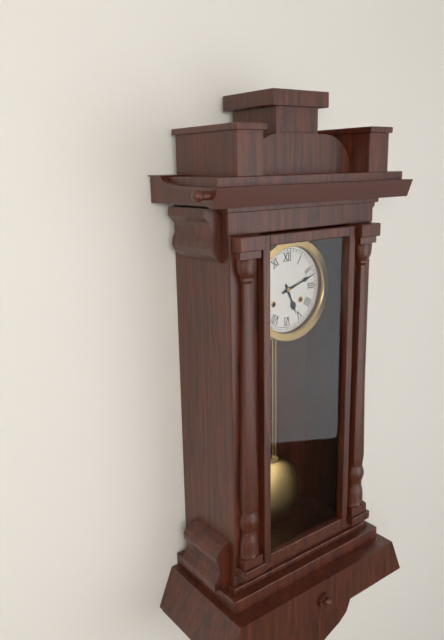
5h12
